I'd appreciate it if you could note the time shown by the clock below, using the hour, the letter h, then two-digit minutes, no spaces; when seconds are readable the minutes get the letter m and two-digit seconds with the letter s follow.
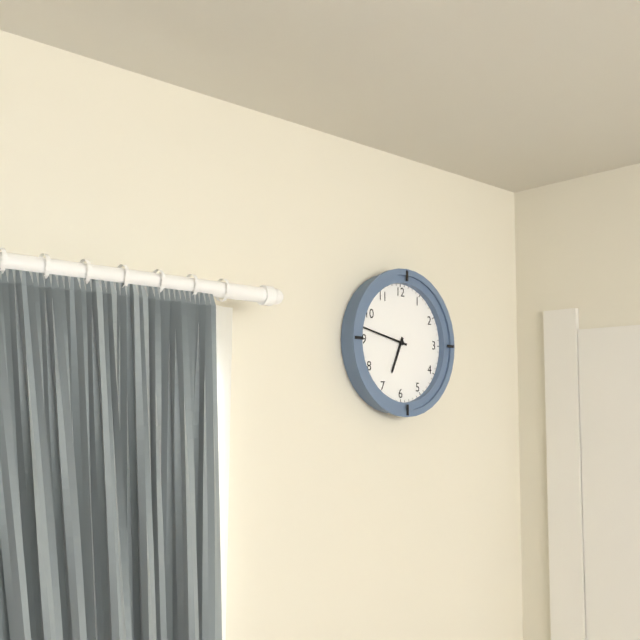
6h47
